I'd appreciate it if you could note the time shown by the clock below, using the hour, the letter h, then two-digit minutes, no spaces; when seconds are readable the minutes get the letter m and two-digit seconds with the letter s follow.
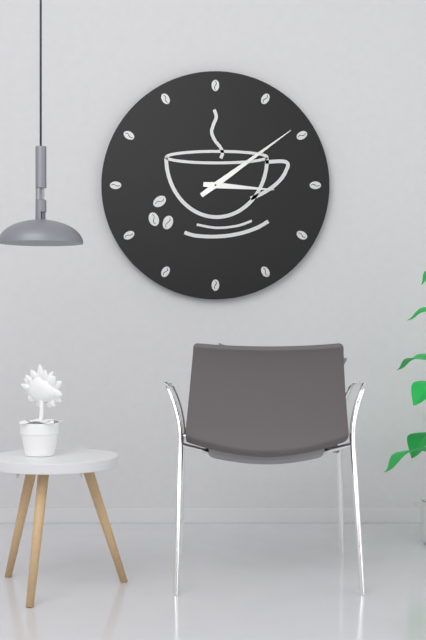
3h09
